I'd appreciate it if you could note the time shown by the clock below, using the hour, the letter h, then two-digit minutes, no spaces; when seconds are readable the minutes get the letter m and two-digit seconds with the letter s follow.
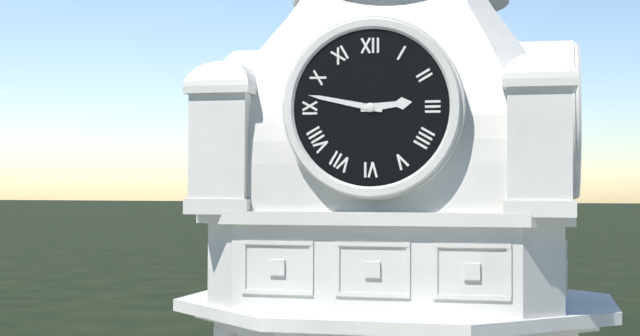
2h47
